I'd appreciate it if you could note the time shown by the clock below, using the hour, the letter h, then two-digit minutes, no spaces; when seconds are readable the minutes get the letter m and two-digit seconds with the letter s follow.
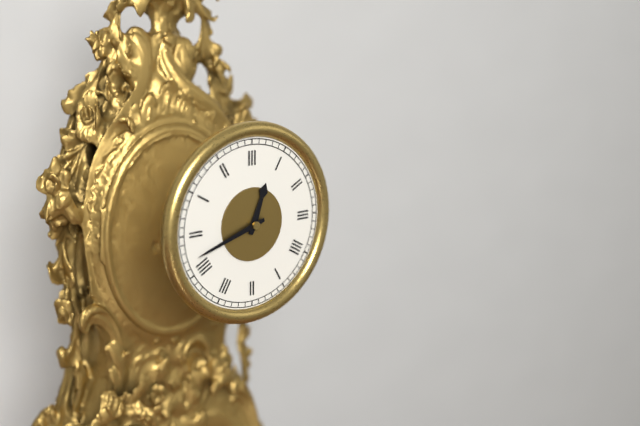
12h42
